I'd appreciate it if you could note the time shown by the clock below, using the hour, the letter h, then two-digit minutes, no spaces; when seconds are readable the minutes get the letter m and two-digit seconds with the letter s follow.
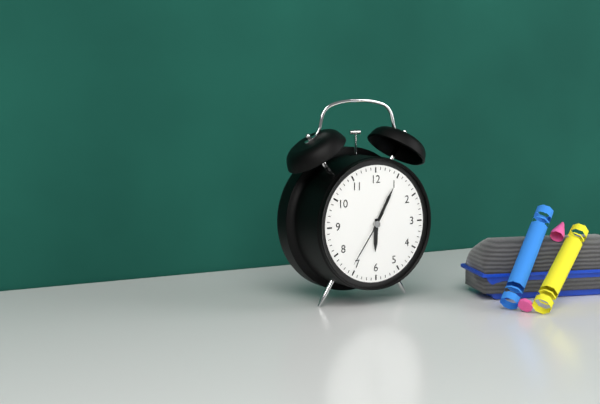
6h05m36s
